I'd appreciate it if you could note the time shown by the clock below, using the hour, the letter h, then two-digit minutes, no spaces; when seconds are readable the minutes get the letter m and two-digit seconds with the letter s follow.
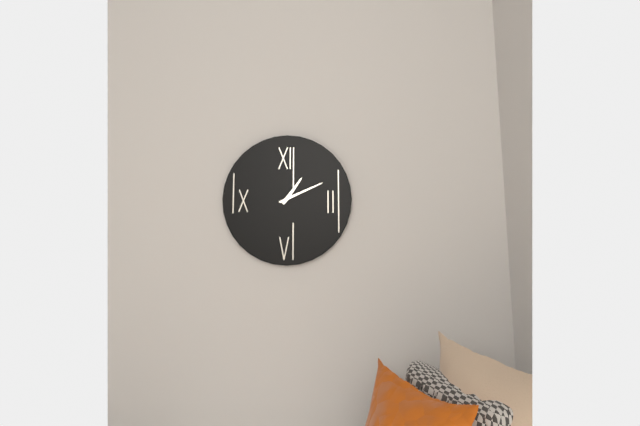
1h11
